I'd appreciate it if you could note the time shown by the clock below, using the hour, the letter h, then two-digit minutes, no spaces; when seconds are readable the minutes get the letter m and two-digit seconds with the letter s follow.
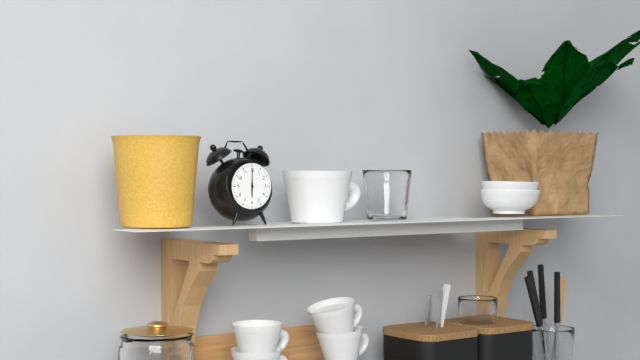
6h00
